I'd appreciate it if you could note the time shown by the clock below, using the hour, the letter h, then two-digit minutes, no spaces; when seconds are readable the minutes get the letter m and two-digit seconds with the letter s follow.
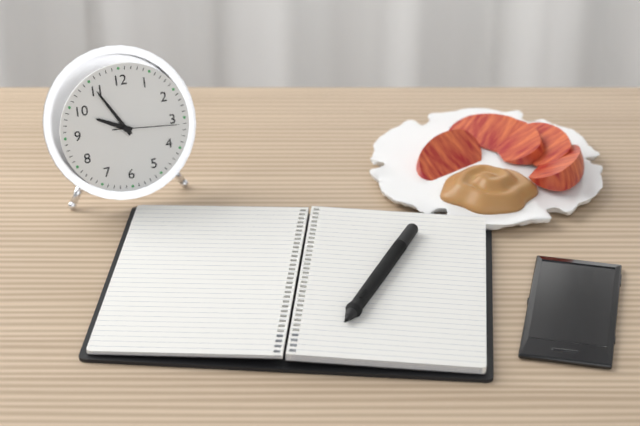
9h55m16s
